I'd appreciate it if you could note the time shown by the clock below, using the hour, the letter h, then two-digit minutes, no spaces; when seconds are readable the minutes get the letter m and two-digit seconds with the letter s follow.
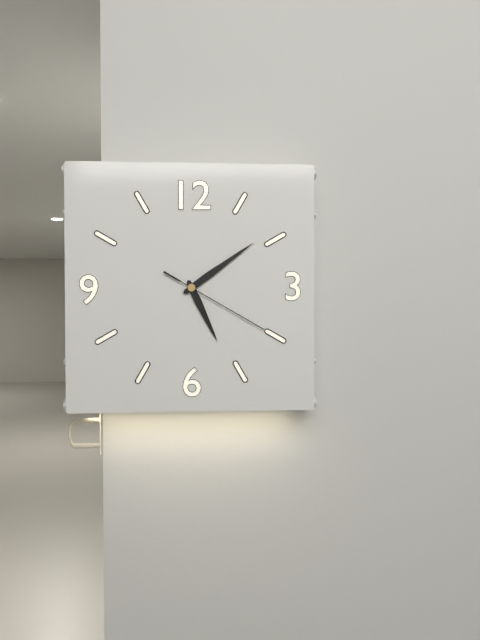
5h09m20s
